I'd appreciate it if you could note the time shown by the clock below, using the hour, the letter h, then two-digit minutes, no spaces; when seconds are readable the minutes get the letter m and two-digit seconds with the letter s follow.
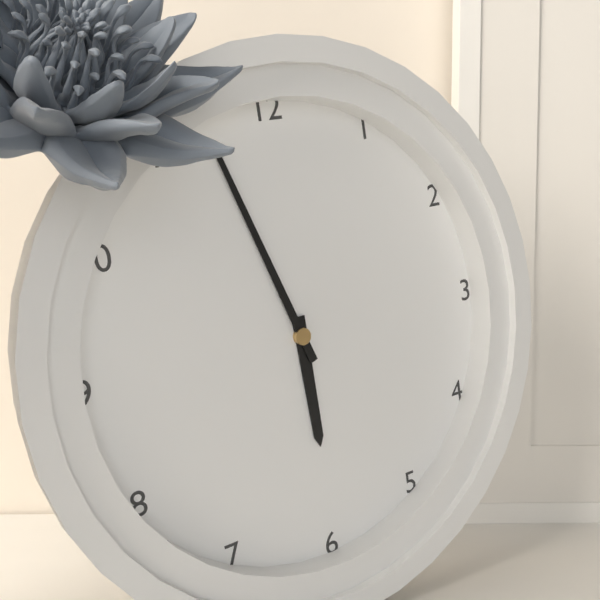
5h57
